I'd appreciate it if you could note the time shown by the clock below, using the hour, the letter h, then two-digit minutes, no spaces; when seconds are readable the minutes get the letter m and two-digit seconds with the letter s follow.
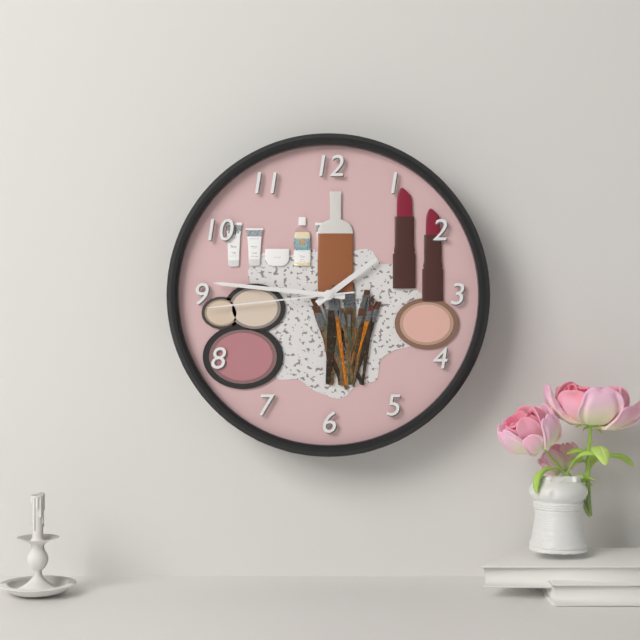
1h46m44s
